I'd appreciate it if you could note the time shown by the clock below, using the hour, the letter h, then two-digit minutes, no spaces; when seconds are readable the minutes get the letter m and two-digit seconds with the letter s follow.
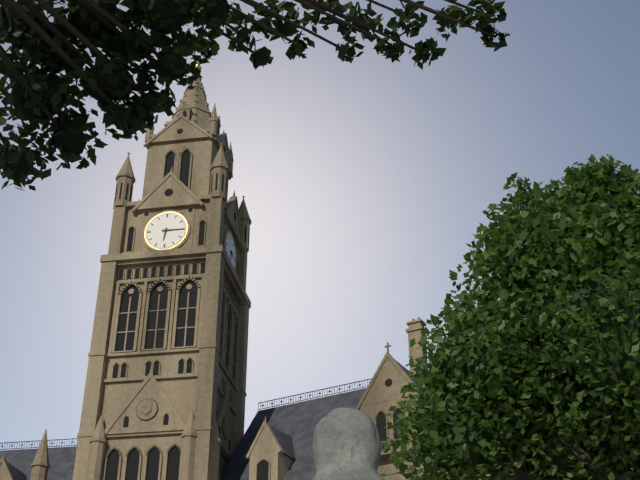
6h15
